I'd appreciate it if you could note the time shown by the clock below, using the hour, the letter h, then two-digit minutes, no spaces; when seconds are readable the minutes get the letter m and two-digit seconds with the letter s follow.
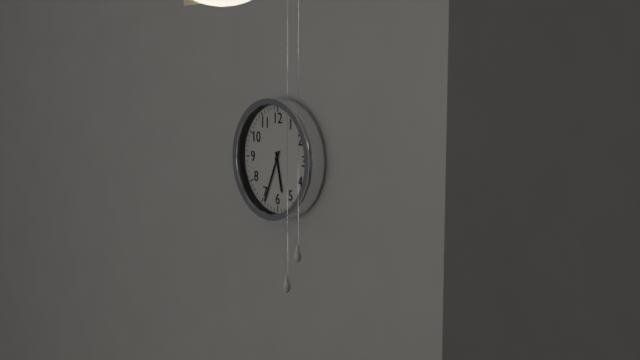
5h34
